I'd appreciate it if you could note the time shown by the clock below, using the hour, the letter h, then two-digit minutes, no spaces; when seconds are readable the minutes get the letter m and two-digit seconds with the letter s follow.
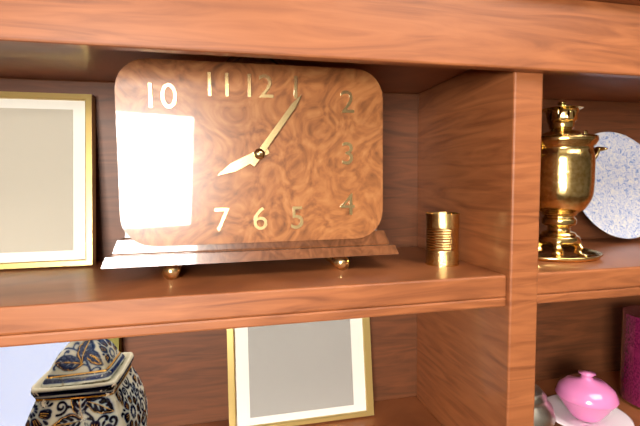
8h06
